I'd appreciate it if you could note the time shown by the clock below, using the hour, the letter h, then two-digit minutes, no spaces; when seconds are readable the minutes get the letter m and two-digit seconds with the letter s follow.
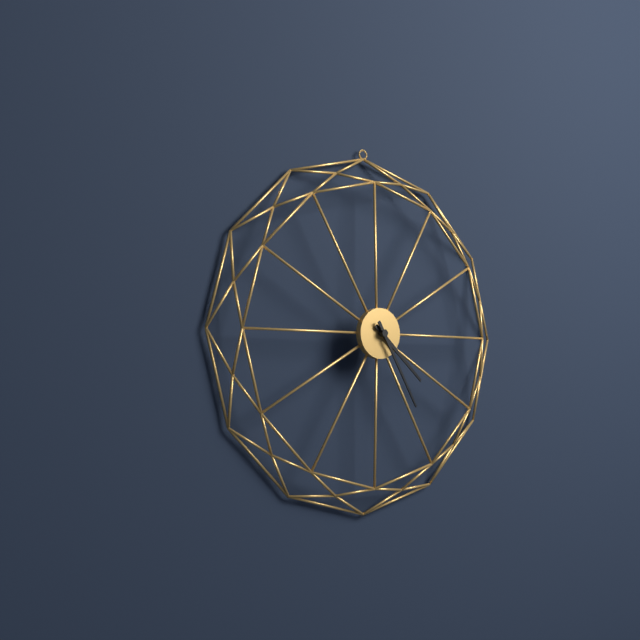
4h25
